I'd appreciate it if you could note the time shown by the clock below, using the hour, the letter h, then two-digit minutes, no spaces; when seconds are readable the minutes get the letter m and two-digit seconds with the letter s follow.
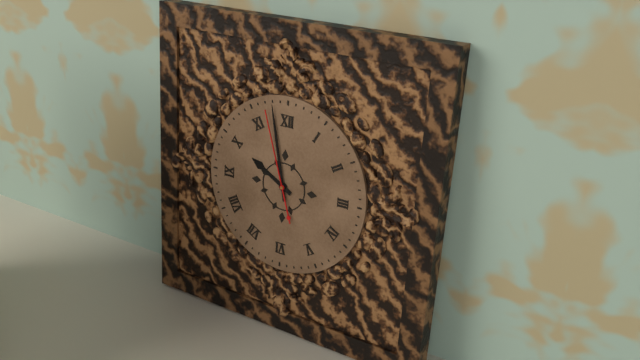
9h58m57s
